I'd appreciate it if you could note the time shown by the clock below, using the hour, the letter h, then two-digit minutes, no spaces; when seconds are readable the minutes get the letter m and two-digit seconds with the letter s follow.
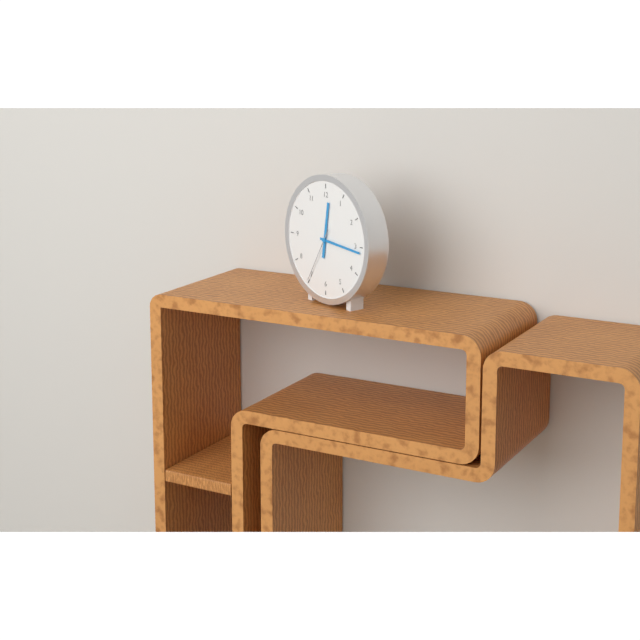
12h16m35s
